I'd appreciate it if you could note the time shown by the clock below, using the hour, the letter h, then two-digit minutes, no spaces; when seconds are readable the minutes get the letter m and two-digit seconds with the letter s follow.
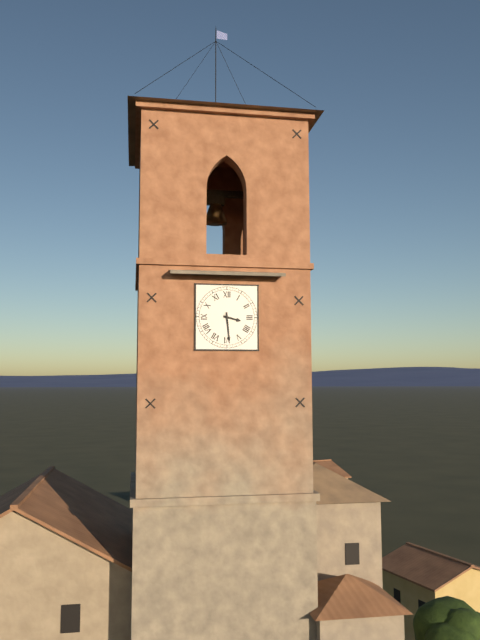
3h29
